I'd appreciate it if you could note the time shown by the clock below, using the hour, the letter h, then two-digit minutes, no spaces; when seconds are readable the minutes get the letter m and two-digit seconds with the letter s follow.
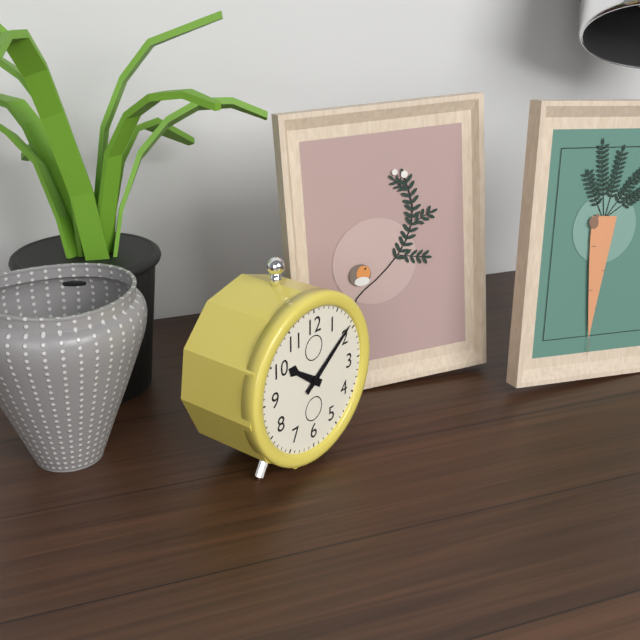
10h09
